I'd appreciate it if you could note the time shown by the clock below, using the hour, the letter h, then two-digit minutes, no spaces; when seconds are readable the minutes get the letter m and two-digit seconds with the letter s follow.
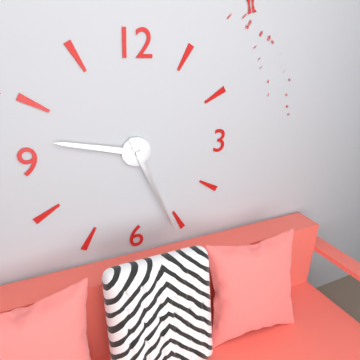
9h26
